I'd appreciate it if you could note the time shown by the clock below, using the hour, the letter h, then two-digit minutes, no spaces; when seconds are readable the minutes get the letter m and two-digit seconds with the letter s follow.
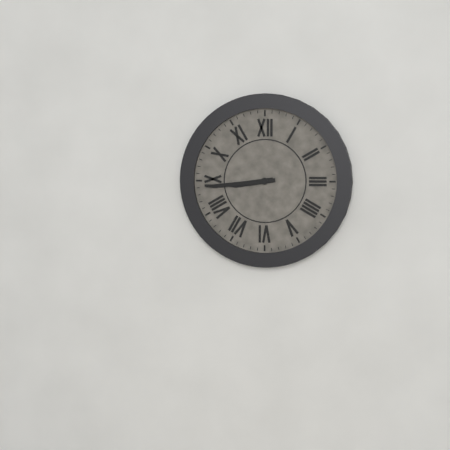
8h44
